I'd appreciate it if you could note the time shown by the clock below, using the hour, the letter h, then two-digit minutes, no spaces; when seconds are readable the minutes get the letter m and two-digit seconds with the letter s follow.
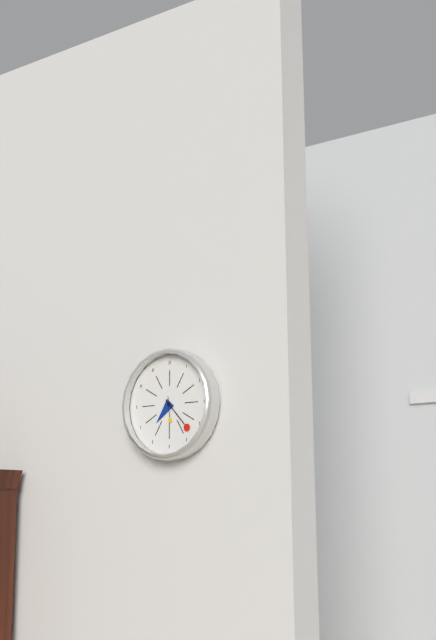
7h23
